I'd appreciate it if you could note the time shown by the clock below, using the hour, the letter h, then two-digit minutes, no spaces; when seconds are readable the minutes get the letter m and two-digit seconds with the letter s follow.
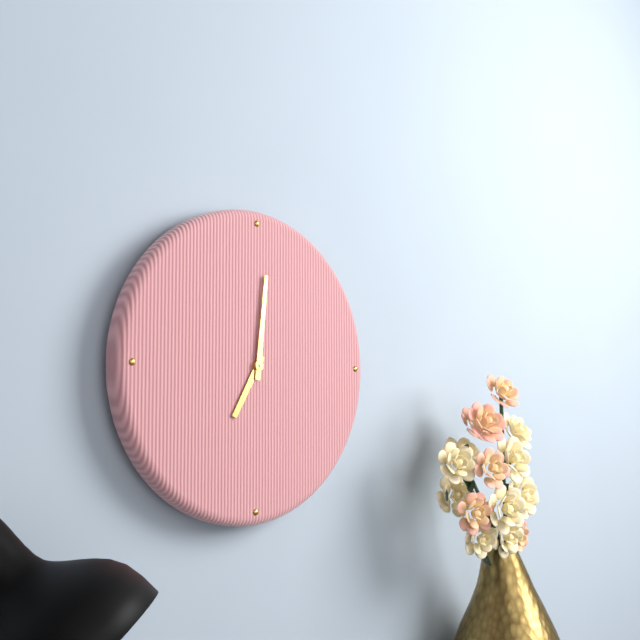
7h01
